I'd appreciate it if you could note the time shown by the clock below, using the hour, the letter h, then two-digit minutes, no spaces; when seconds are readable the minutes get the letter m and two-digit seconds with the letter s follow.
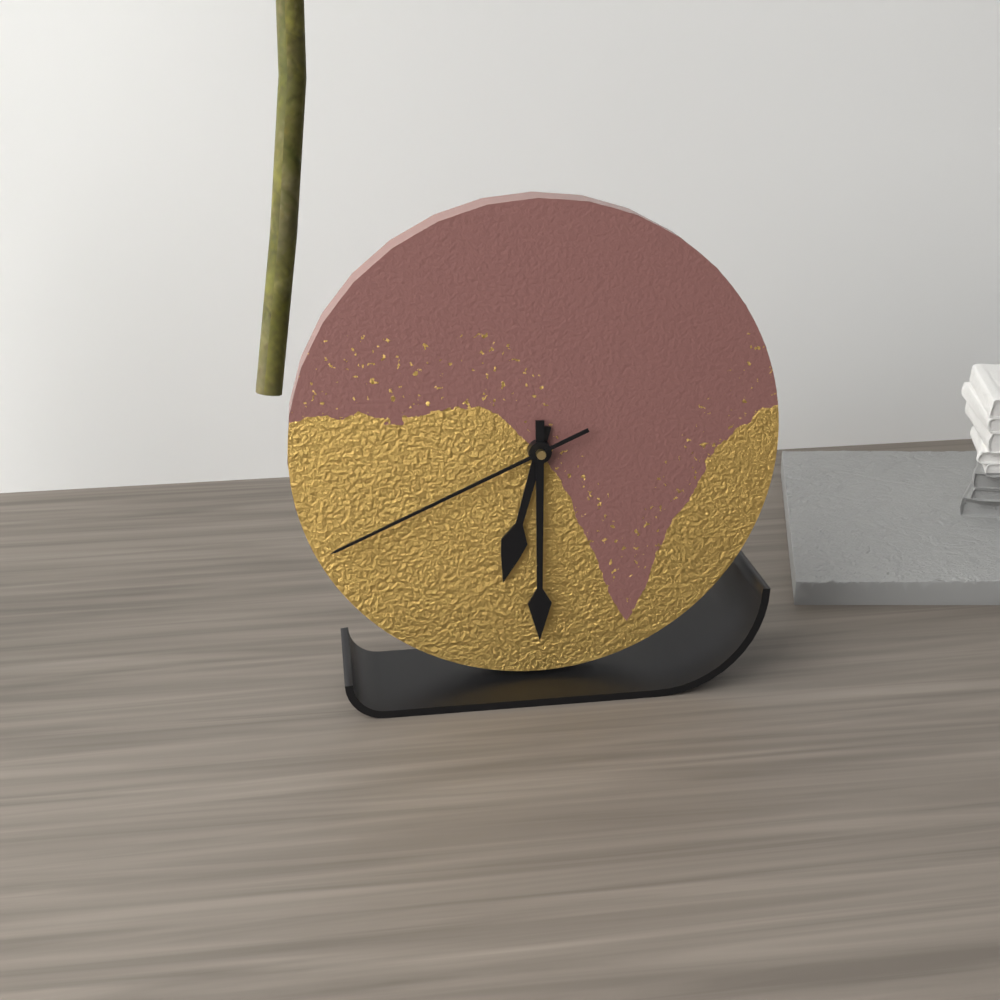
6h30m41s
